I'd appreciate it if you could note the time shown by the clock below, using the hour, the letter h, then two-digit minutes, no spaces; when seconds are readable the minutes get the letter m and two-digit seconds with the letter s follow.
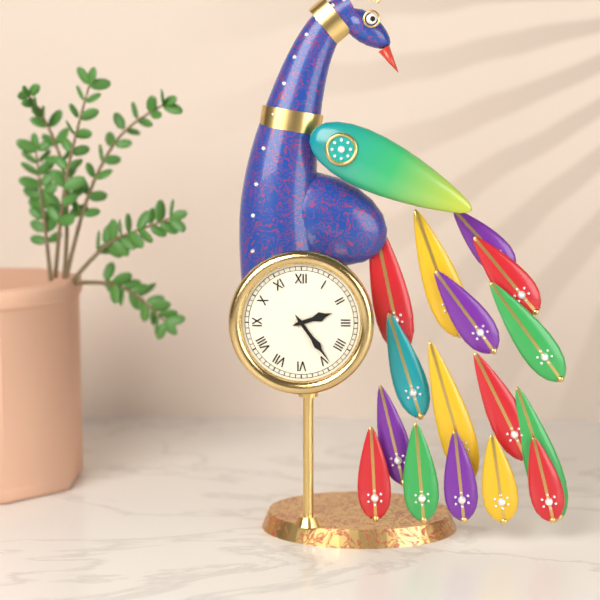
2h24
